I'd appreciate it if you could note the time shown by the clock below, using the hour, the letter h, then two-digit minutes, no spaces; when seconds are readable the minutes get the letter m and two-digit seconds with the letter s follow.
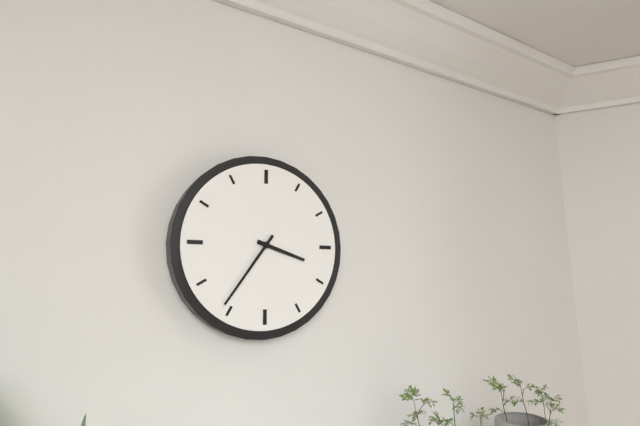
3h36
